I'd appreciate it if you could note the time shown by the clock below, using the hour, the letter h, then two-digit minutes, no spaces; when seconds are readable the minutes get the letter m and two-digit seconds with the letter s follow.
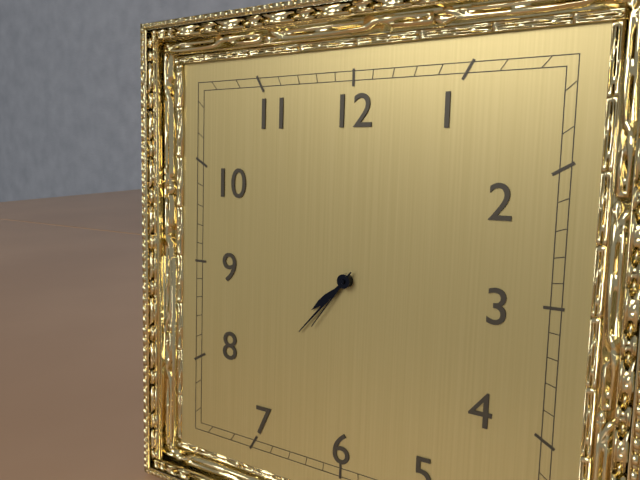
7h37m36s
